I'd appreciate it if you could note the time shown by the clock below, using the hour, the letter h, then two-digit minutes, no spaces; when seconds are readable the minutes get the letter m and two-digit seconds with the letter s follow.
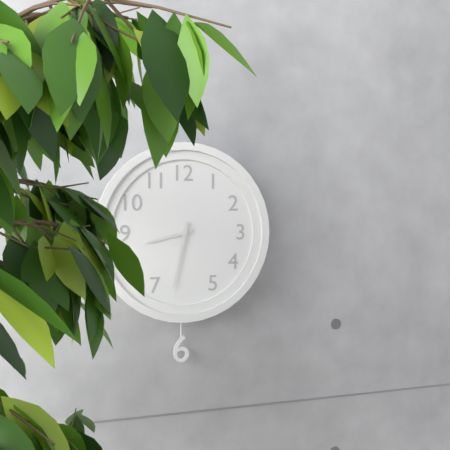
8h32
